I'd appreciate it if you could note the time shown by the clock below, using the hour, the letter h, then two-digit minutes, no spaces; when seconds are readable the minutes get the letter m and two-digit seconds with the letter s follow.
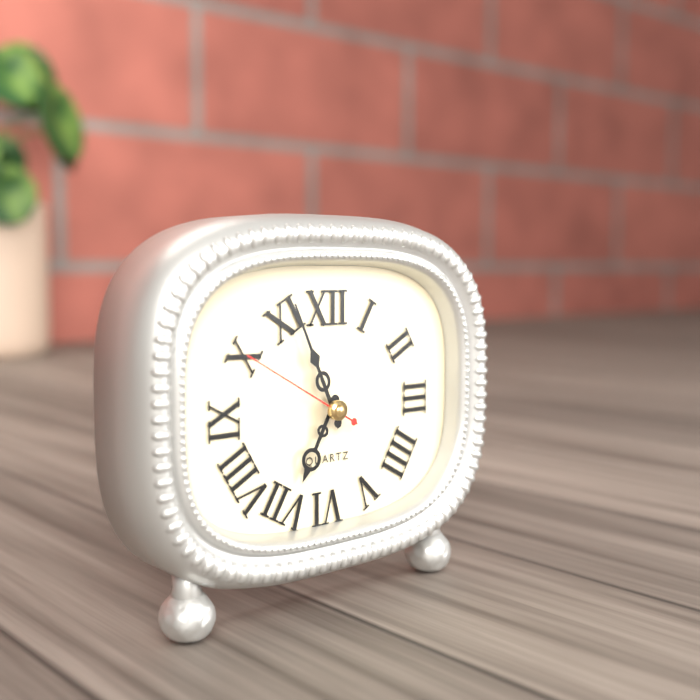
6h56m50s
